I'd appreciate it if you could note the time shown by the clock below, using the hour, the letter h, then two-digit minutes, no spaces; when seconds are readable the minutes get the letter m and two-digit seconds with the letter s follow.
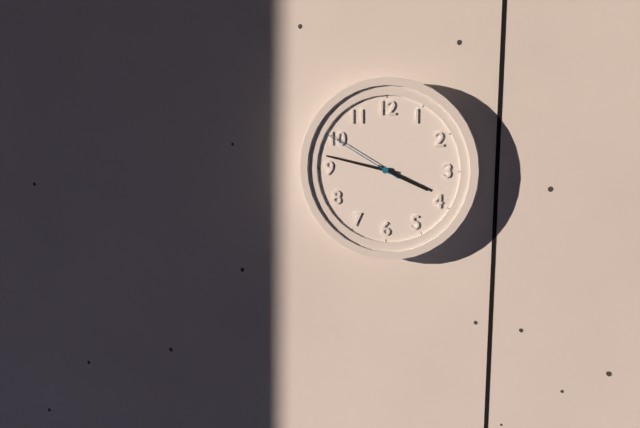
3h47m50s
